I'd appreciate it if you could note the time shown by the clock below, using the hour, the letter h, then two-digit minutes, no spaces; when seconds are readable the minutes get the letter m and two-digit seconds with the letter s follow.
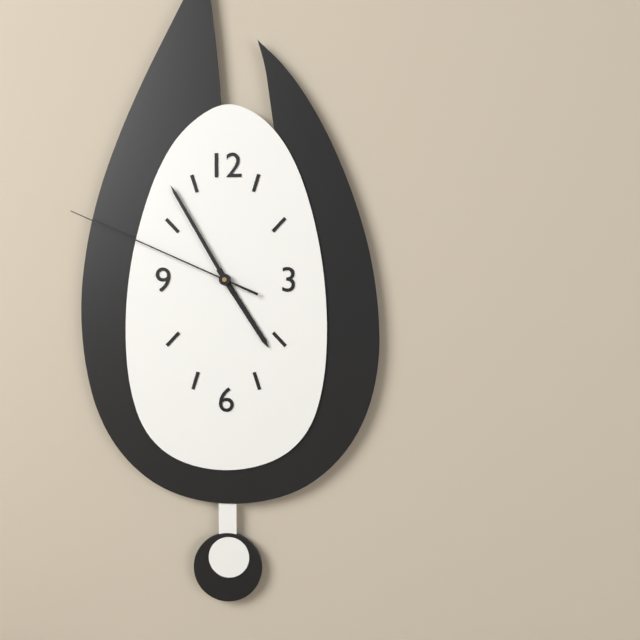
4h55m49s
